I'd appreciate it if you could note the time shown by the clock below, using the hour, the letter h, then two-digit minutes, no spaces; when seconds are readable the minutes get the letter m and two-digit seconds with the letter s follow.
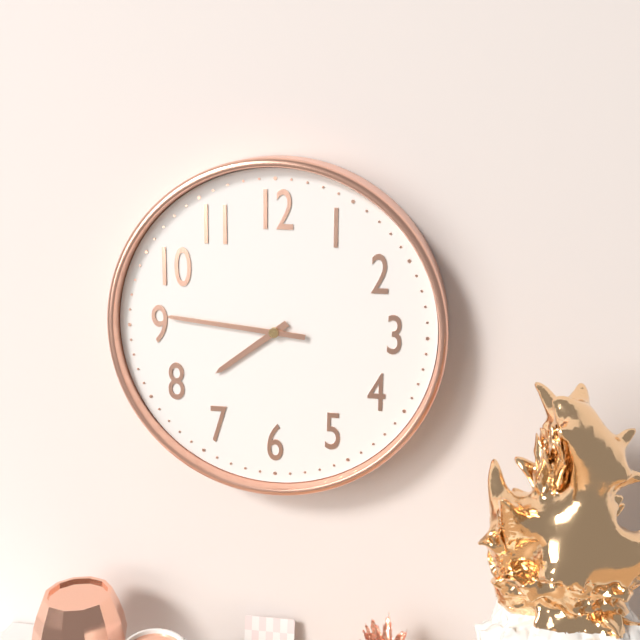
7h46
